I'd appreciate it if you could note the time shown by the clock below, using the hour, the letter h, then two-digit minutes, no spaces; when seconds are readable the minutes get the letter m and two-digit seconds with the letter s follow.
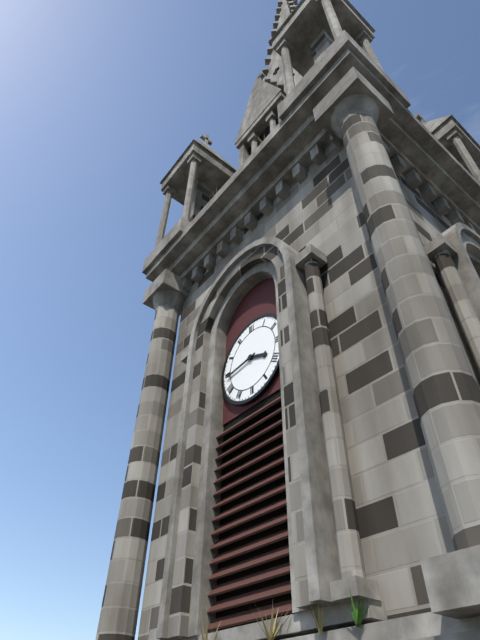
3h44
